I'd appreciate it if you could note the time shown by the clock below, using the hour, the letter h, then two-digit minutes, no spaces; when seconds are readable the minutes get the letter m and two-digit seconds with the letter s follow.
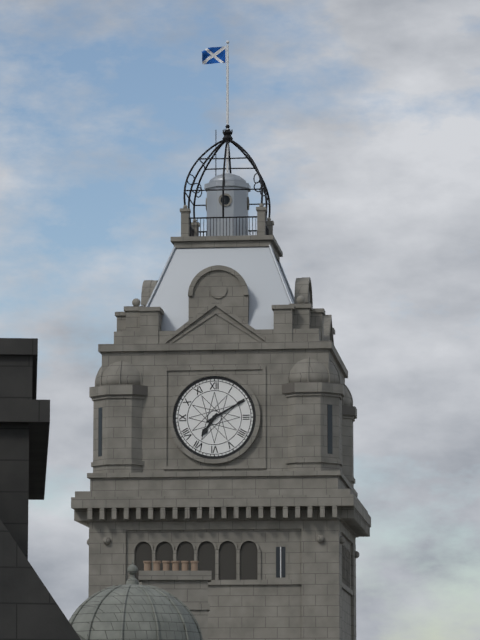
7h10
